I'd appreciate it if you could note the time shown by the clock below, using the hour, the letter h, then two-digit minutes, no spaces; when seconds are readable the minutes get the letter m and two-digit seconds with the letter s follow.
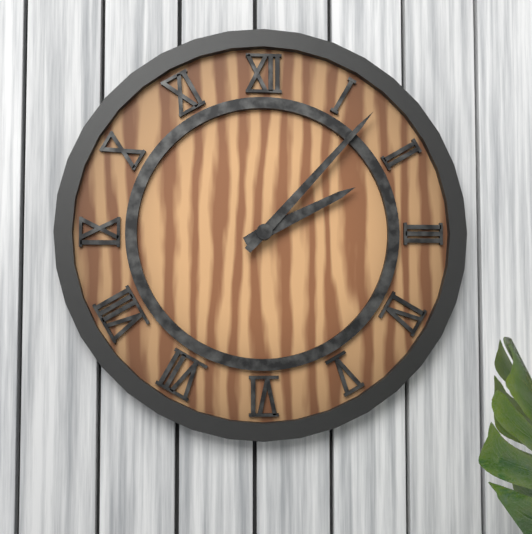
2h07
